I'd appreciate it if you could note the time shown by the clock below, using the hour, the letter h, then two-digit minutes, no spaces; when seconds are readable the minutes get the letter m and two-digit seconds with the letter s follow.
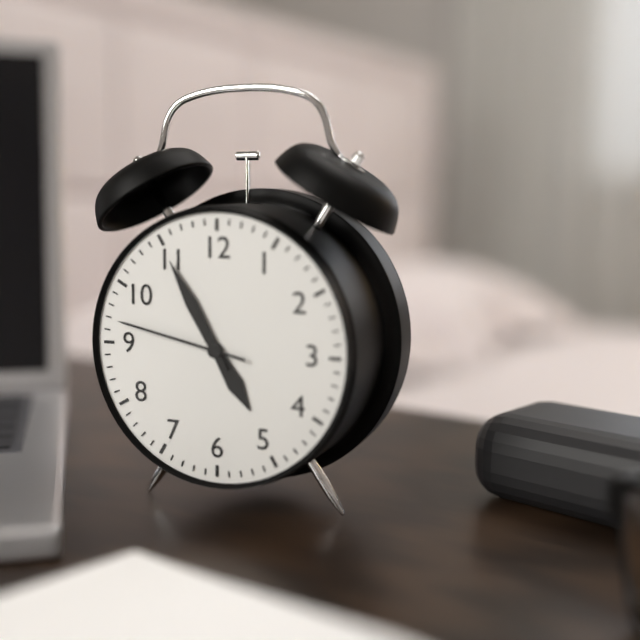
4h55m47s
